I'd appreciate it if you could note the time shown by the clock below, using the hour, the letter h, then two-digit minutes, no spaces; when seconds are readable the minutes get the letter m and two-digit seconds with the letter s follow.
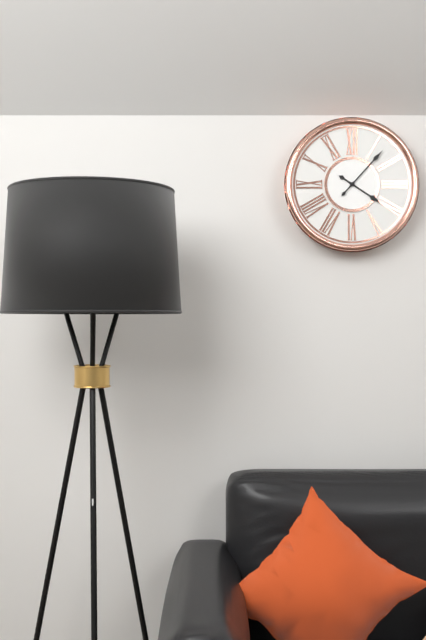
4h07
